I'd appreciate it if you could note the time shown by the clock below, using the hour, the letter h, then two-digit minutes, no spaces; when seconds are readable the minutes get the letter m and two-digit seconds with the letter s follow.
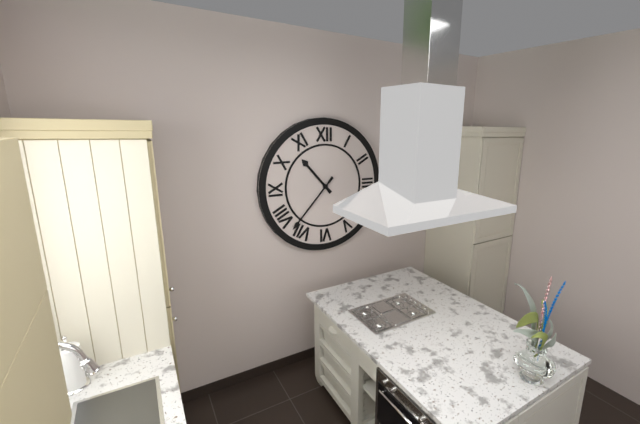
10h37
